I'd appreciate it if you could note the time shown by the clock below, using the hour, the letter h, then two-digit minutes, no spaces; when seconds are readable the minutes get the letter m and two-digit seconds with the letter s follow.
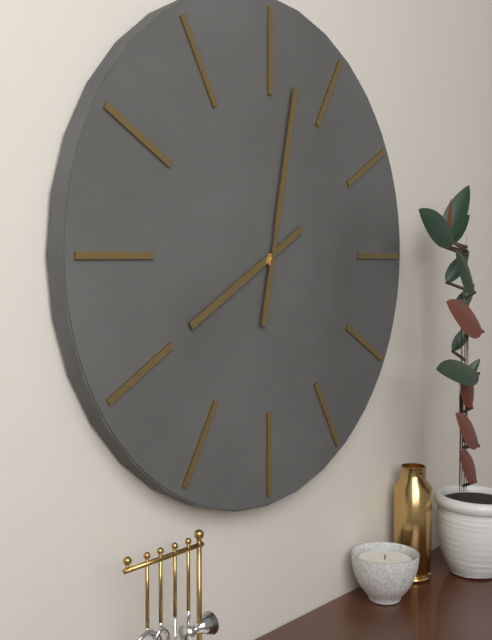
8h02
